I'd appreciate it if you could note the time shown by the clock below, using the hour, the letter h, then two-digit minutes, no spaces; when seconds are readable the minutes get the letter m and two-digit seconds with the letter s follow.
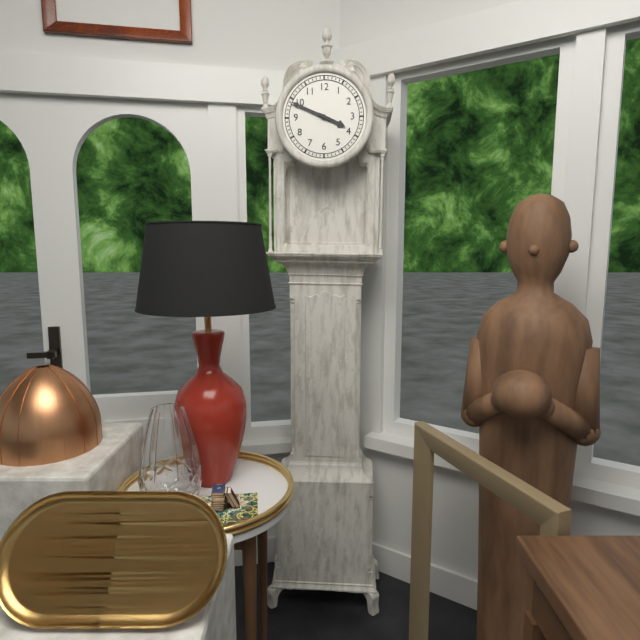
3h49
